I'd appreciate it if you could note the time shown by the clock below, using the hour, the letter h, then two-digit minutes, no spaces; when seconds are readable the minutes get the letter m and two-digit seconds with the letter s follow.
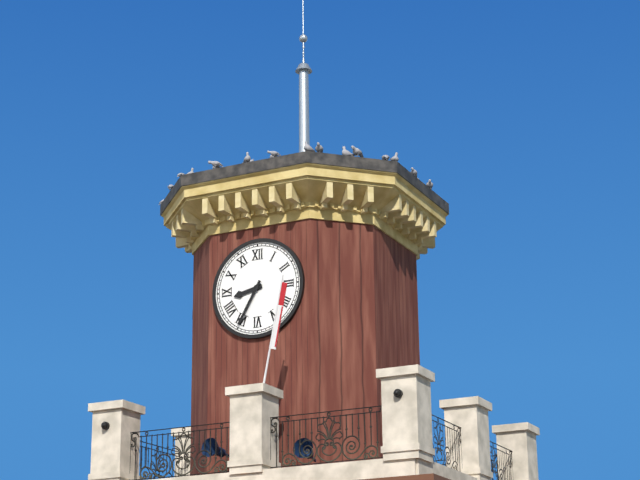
8h35
